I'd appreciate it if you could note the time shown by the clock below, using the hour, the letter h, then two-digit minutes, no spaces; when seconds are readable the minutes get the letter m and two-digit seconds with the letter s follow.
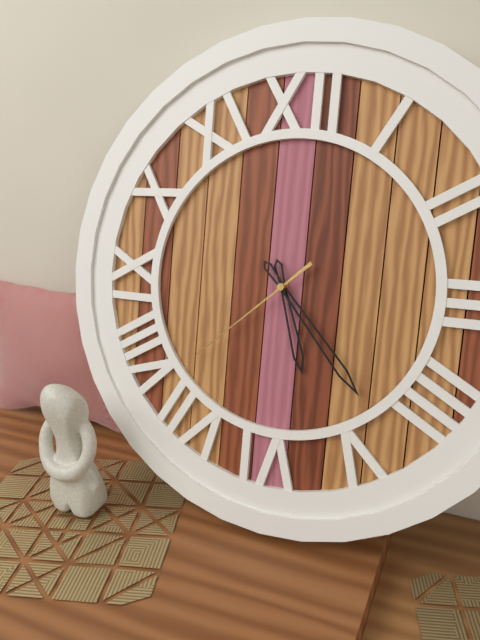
5h23m38s
